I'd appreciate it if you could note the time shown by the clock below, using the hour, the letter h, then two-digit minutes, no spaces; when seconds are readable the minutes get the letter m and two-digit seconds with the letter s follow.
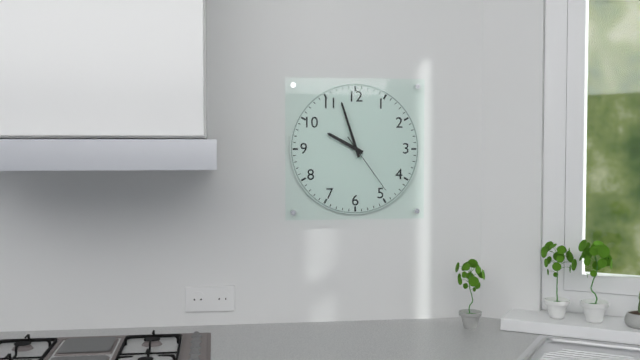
9h57m24s
